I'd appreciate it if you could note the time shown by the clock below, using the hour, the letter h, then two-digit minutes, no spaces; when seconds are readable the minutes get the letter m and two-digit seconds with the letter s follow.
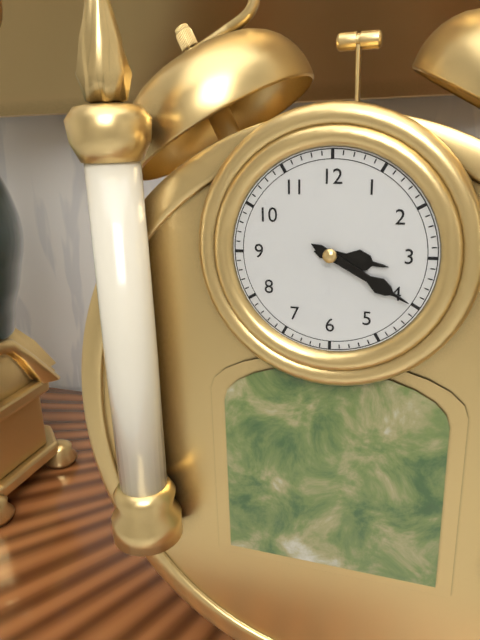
3h20
